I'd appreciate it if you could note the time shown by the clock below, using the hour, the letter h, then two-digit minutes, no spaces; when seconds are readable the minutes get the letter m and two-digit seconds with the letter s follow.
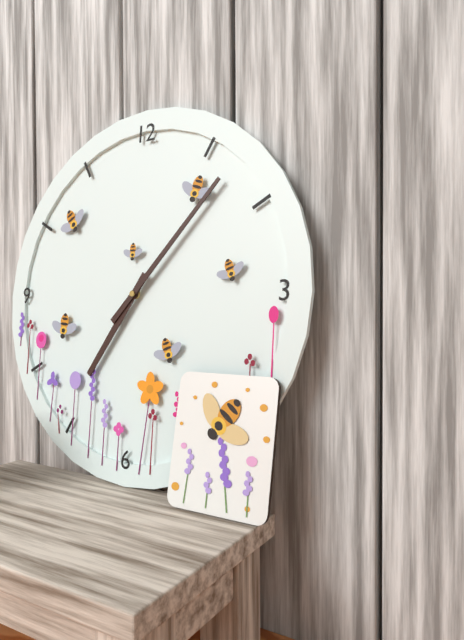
7h07
